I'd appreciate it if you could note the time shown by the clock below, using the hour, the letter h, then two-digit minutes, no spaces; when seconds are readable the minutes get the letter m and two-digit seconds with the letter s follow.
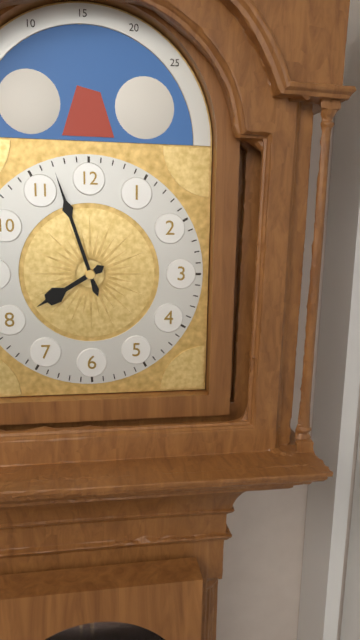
7h57
